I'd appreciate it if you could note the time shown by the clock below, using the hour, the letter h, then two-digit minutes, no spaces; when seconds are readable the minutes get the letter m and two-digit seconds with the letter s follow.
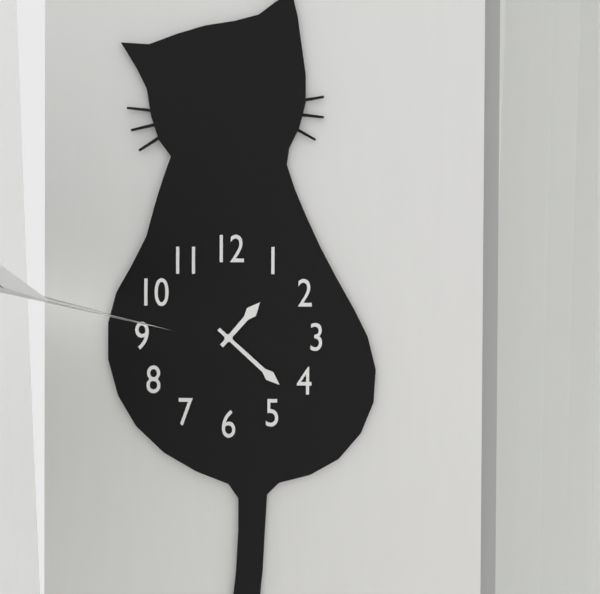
1h22
